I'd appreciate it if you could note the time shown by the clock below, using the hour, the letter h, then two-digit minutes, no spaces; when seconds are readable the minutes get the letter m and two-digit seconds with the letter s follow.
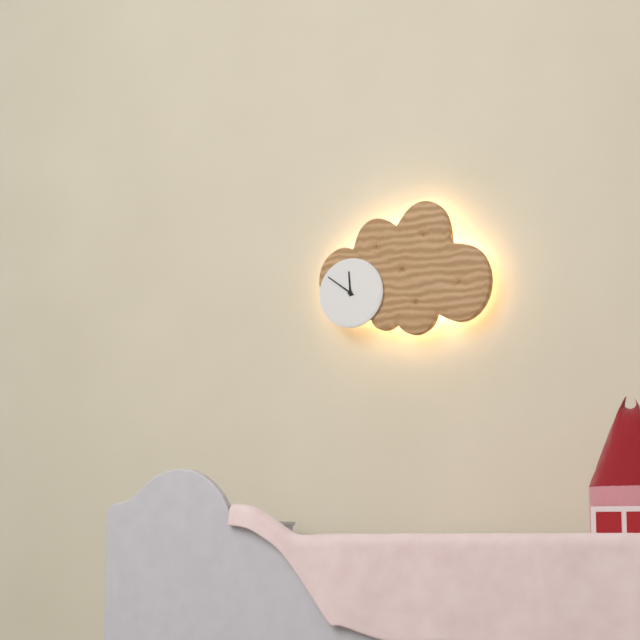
11h51
